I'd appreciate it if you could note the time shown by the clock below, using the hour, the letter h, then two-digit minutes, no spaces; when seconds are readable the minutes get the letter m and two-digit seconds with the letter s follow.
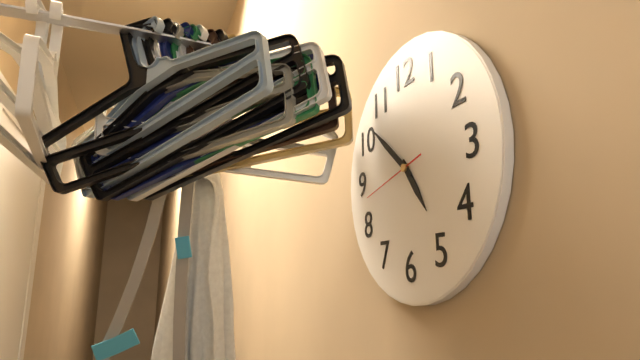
4h52m43s
